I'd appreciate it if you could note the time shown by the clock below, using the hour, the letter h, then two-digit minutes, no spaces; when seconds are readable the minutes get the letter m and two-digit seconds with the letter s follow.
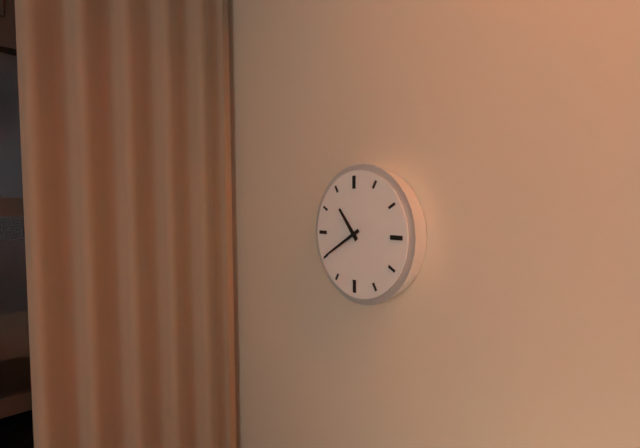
10h40
